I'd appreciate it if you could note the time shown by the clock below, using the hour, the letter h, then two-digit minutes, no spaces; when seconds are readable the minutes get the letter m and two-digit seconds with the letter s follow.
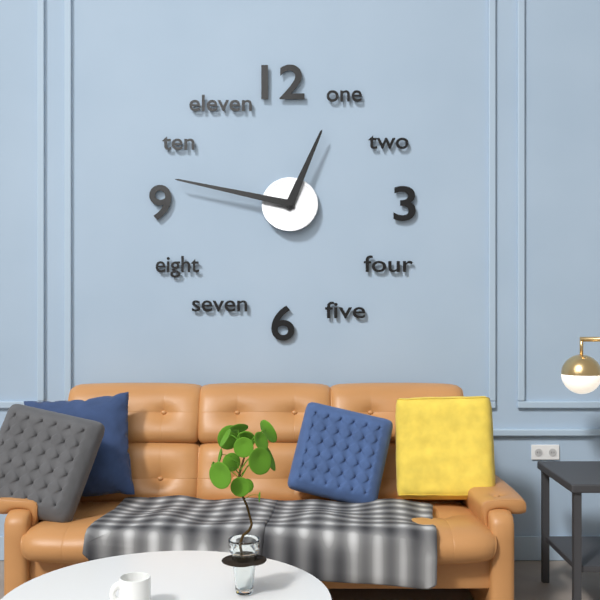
12h47
